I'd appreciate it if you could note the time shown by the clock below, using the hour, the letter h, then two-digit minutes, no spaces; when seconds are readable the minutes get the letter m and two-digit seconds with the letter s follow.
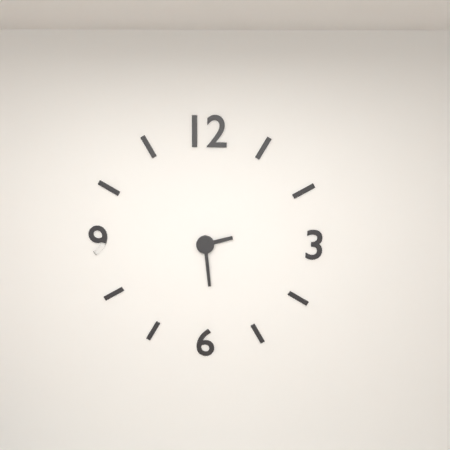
2h29
